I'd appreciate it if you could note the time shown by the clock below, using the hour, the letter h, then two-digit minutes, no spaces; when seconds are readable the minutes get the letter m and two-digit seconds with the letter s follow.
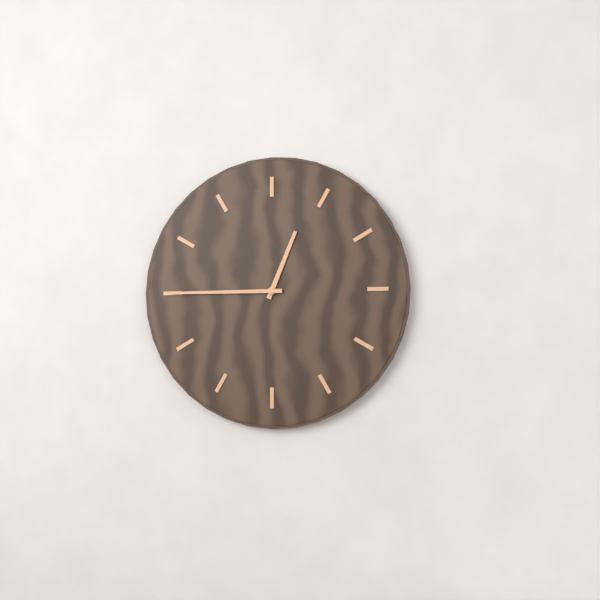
12h45
